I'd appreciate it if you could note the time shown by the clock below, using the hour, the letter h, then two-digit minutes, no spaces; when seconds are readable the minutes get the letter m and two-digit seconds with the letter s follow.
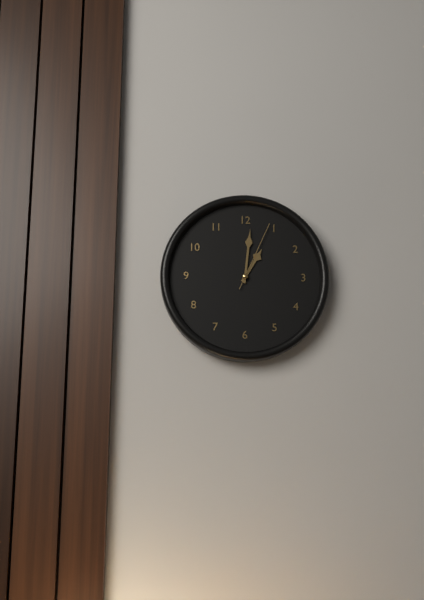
1h01m04s
